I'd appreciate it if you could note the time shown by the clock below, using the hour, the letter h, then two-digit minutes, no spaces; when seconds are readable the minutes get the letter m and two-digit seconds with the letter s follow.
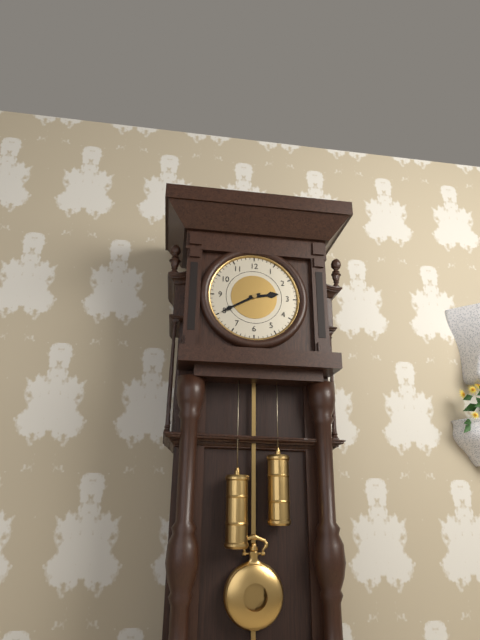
2h40
